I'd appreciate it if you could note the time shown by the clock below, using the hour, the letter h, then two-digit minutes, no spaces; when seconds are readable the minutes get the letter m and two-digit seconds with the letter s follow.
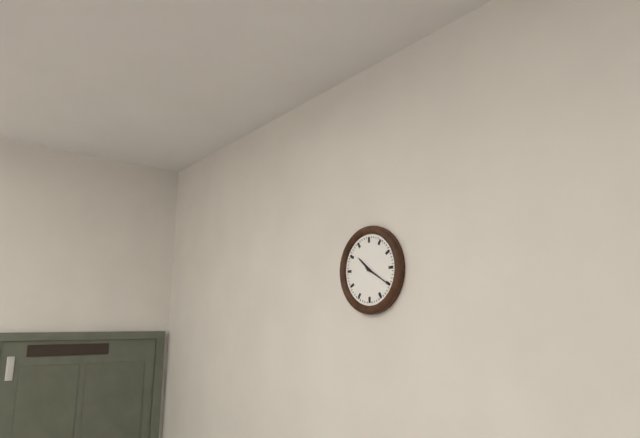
10h20
